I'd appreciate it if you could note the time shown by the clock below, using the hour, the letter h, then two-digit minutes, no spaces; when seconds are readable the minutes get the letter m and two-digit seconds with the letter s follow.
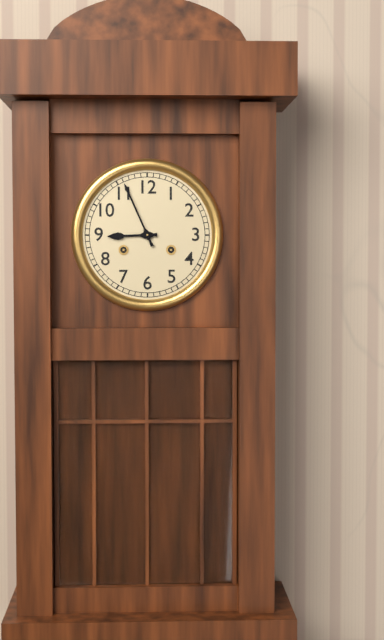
8h56
